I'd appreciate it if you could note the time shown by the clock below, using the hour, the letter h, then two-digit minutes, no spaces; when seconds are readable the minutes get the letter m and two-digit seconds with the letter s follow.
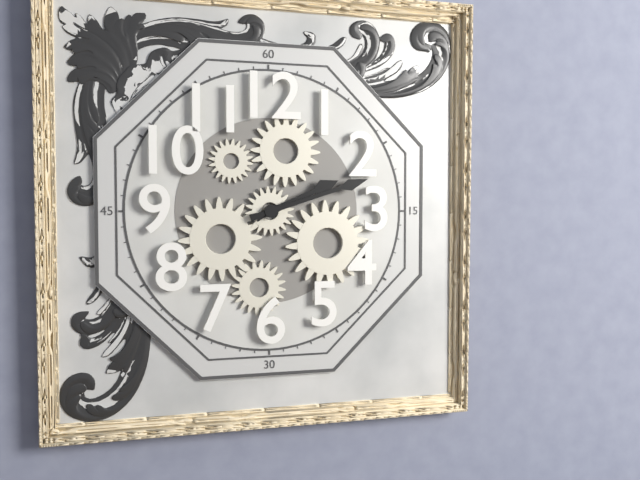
2h12
